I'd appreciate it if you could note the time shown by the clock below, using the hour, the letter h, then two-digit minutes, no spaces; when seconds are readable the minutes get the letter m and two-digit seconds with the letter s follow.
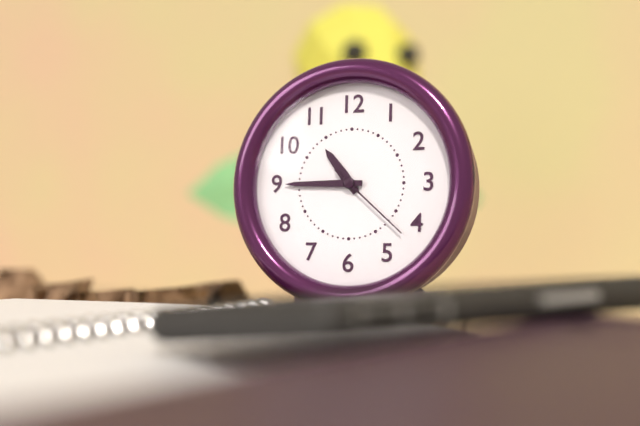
10h45m22s
